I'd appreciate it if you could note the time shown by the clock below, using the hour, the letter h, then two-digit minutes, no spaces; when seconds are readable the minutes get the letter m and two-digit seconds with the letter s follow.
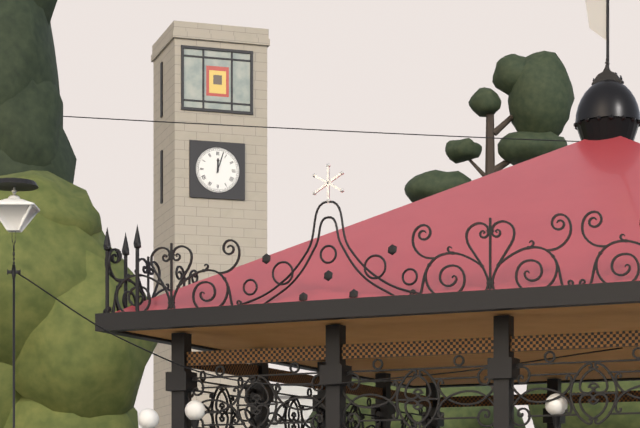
12h03
